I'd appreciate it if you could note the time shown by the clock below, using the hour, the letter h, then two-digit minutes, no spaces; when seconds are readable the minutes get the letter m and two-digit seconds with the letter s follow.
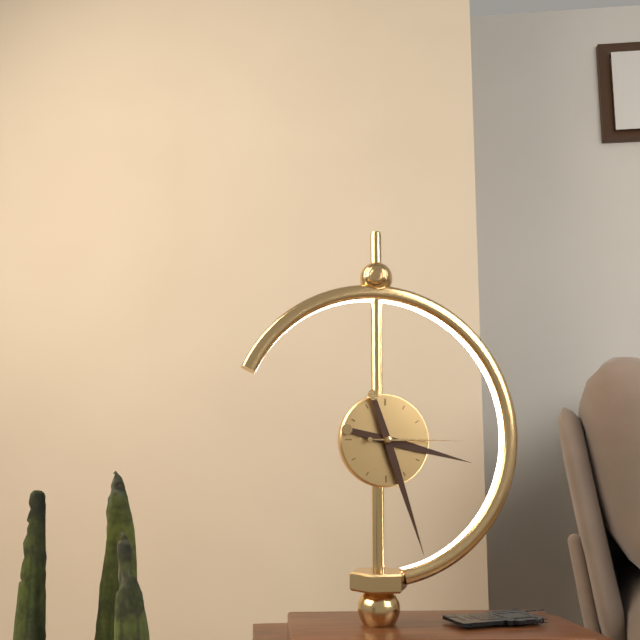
3h27m15s
